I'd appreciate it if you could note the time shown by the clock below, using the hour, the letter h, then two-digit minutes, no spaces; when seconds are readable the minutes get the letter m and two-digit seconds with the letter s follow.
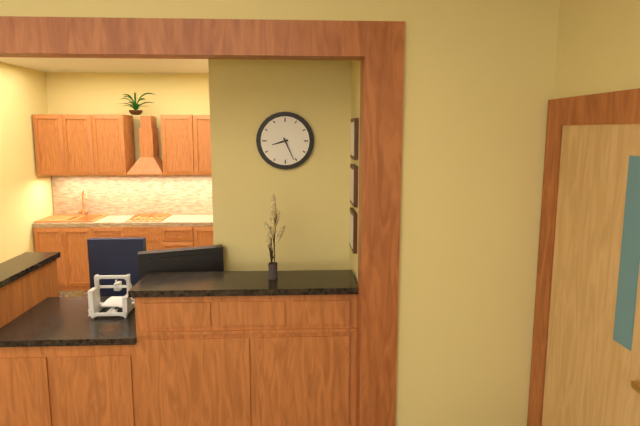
8h26
